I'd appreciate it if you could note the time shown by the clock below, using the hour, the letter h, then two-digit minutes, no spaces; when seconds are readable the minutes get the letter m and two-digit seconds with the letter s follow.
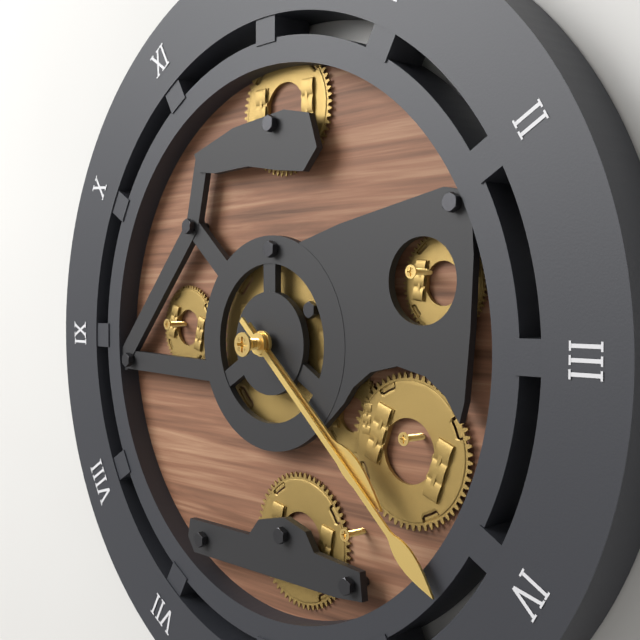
4h22
